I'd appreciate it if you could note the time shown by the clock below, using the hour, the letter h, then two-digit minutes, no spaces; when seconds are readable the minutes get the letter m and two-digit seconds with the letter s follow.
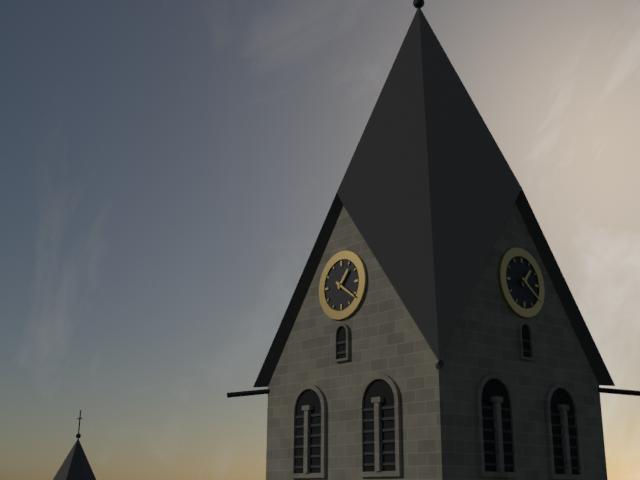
1h21
